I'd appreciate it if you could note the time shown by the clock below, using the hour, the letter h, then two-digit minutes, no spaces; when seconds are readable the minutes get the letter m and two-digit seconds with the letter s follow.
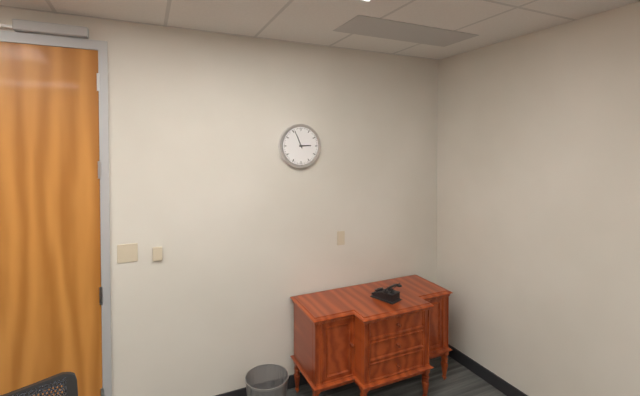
2h56
